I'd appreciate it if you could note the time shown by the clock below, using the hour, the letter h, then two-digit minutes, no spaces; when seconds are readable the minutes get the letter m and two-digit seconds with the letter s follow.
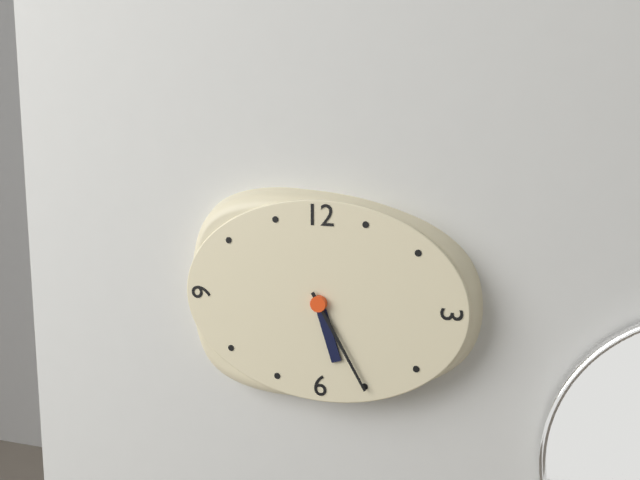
5h25
